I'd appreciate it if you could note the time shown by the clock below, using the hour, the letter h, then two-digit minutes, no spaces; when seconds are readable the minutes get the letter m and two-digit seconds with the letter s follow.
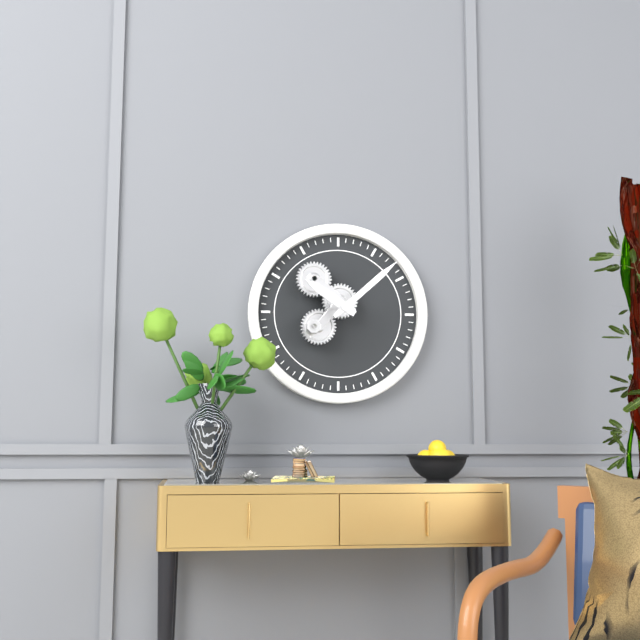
10h08
